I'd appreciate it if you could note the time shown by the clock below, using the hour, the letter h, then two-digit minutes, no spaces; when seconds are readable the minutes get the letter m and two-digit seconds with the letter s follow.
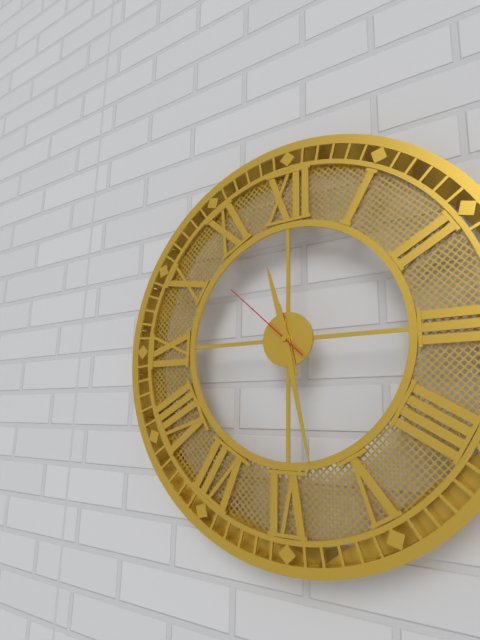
11h28m52s
